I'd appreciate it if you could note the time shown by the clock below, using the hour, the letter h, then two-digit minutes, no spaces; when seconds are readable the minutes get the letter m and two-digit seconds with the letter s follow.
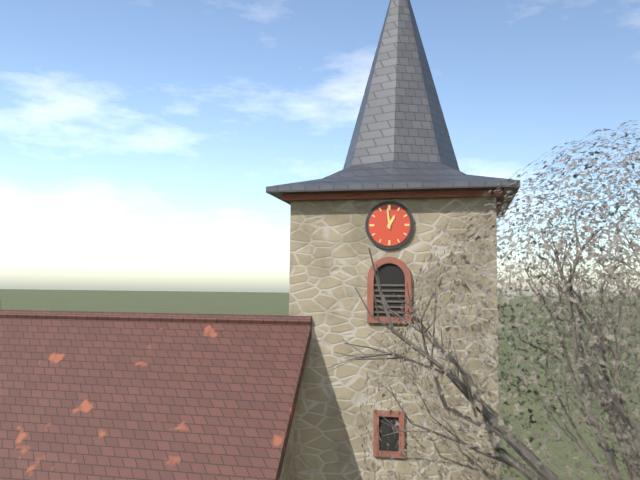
12h59
